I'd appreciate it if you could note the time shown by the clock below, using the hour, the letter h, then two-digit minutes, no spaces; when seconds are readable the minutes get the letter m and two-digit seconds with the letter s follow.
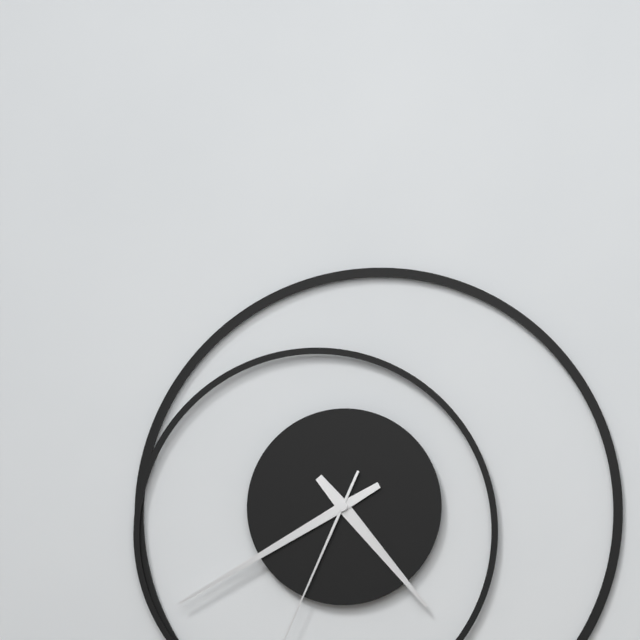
4h40
